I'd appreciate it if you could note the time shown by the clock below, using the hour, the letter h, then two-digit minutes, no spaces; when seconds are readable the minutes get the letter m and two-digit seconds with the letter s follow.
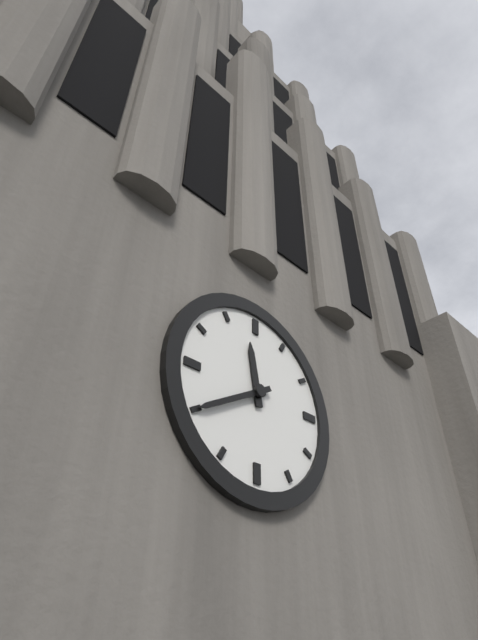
11h40
